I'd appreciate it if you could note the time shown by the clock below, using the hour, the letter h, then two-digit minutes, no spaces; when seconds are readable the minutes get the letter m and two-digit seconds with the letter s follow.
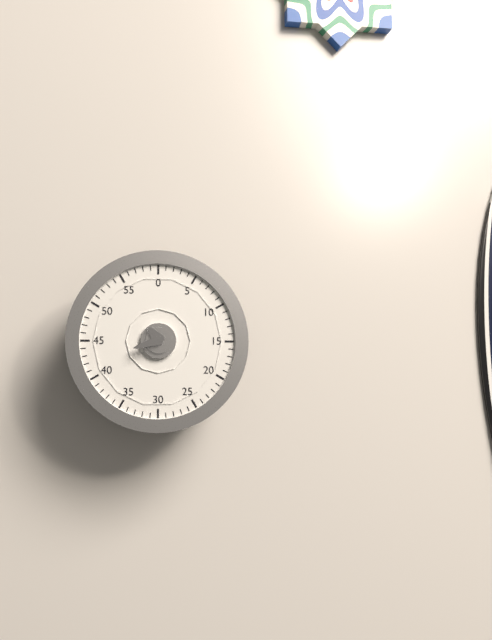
10h42
